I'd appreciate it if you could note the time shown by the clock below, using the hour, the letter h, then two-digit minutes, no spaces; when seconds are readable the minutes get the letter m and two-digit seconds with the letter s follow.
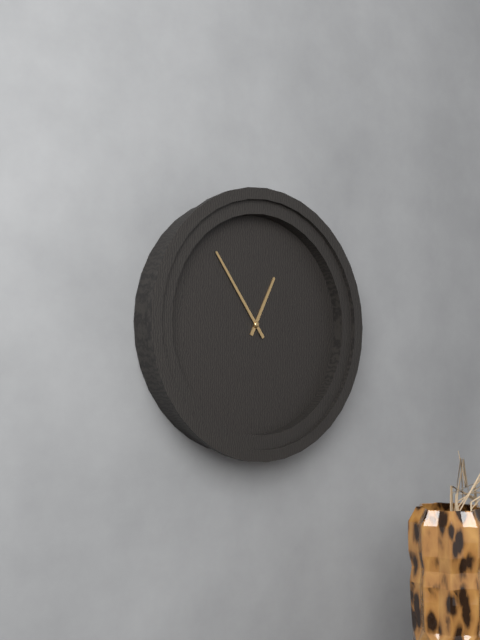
12h54
